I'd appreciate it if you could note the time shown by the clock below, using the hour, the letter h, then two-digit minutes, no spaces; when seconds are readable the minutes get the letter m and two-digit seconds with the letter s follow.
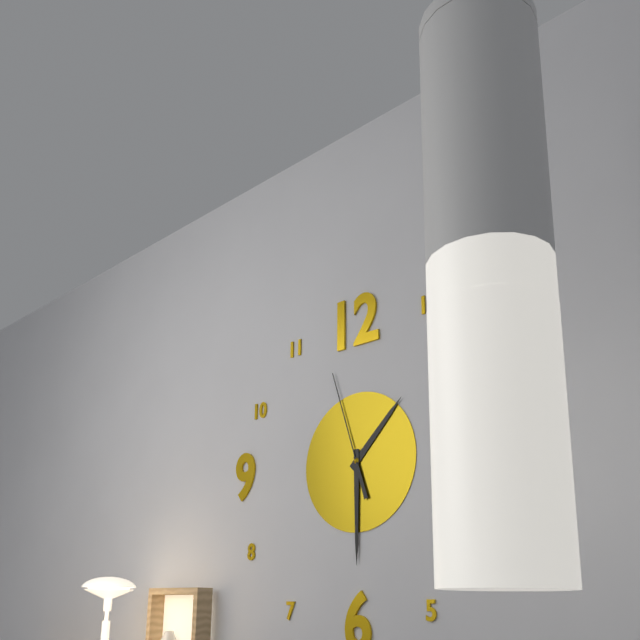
1h30m57s
